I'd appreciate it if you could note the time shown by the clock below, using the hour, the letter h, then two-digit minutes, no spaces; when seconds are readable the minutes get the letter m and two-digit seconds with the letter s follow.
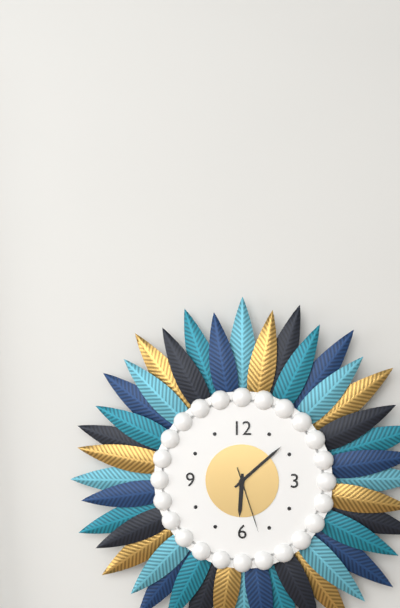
6h08m27s
